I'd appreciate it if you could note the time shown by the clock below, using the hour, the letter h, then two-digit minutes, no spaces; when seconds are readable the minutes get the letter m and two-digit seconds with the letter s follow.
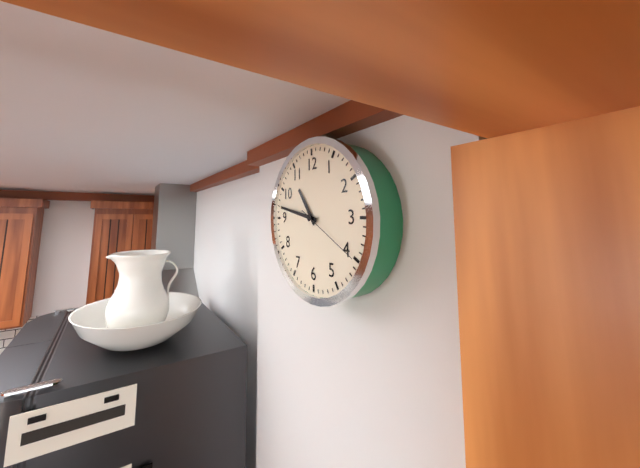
10h47m20s
